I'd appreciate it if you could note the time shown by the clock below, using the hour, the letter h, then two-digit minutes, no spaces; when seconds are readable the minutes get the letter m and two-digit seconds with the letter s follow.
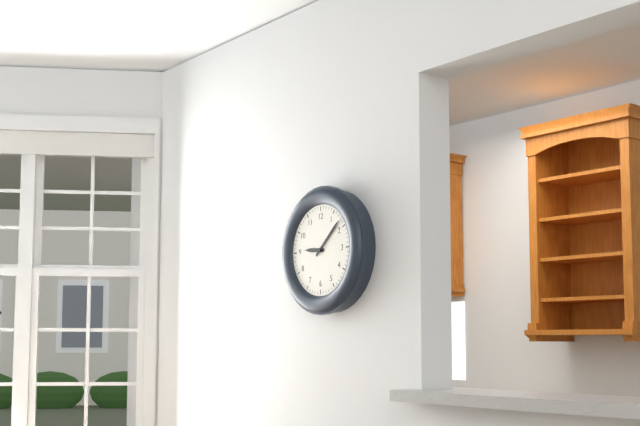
9h08
